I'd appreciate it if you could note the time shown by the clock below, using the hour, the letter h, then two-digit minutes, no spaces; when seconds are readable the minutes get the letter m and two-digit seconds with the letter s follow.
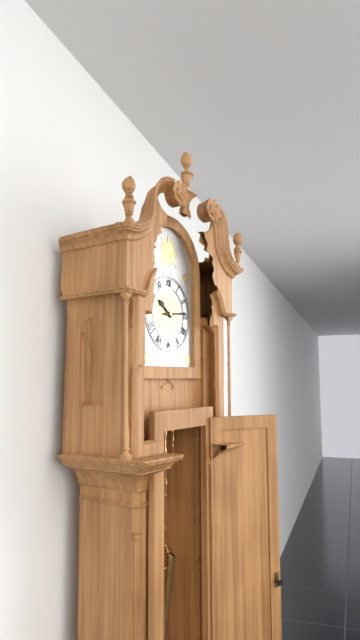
10h14
